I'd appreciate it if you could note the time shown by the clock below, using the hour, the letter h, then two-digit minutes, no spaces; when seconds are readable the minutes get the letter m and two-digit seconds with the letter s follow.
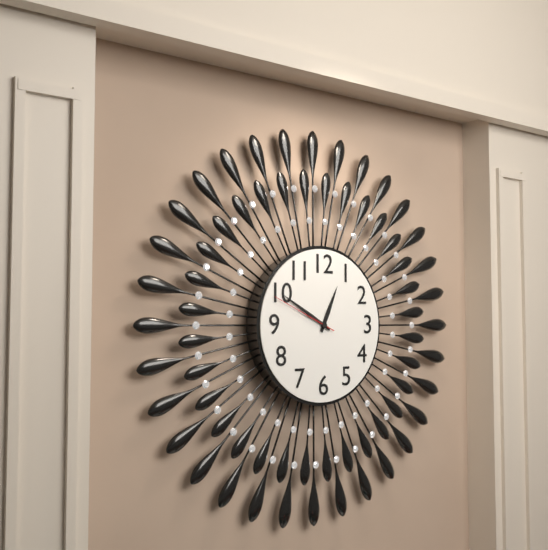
12h50m49s
